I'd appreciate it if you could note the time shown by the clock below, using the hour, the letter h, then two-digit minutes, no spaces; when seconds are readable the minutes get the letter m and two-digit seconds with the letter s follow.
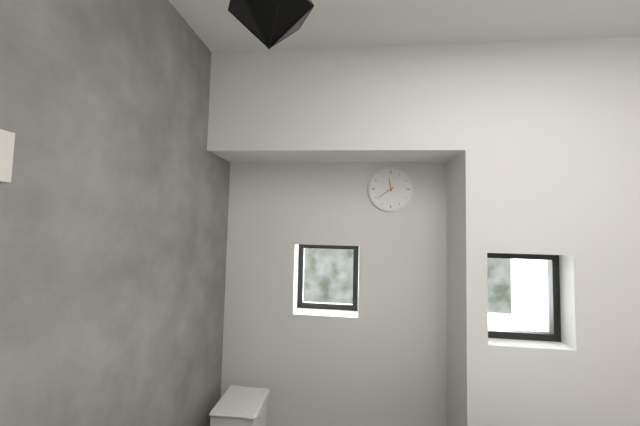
11h39
